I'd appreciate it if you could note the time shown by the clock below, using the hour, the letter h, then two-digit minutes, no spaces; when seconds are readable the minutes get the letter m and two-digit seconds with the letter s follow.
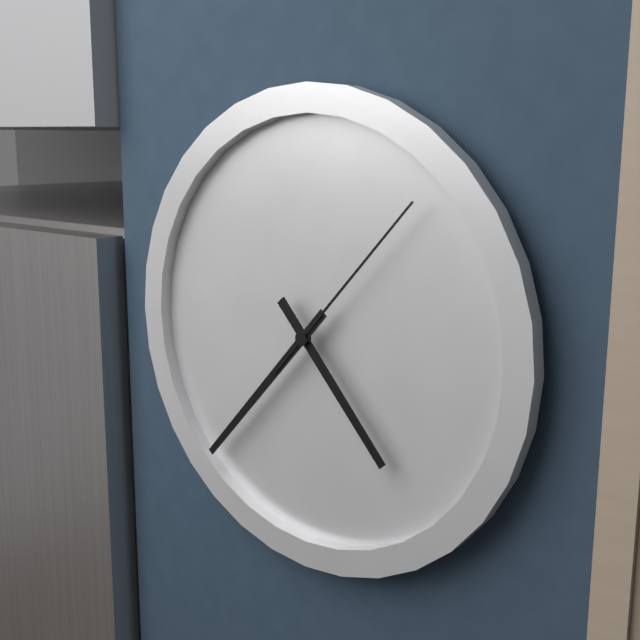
4h37m07s
